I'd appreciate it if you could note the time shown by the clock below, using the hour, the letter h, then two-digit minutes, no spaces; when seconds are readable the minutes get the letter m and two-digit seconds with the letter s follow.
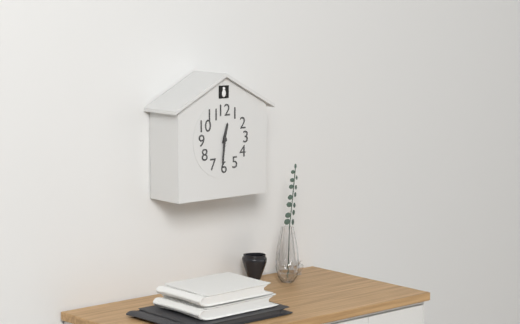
12h31
